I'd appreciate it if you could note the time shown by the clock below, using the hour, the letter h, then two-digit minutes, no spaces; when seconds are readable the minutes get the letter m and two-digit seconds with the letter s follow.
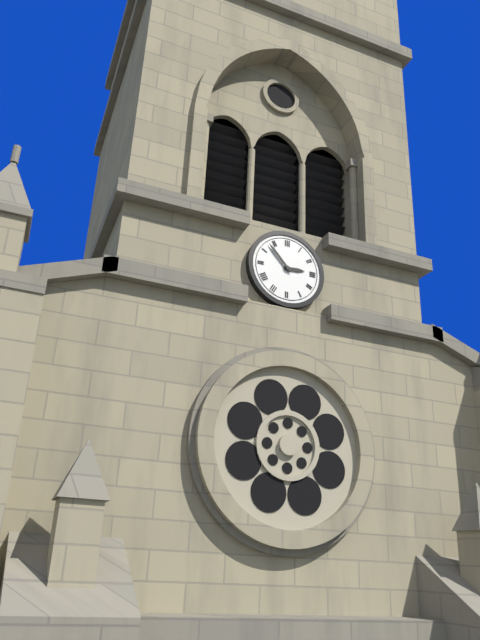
2h53
